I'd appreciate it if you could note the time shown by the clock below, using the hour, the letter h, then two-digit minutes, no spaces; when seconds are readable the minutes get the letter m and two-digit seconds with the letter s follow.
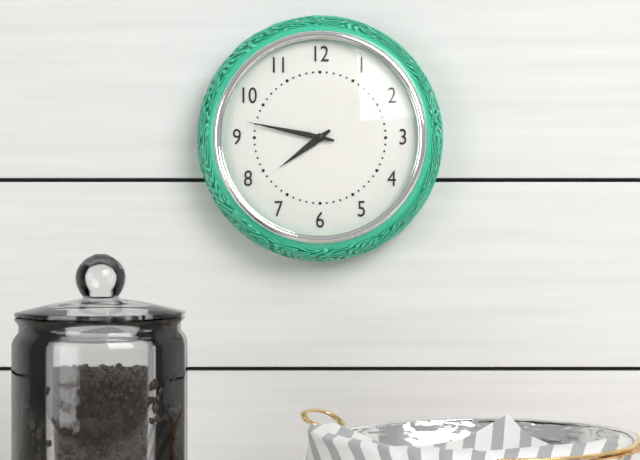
7h47
